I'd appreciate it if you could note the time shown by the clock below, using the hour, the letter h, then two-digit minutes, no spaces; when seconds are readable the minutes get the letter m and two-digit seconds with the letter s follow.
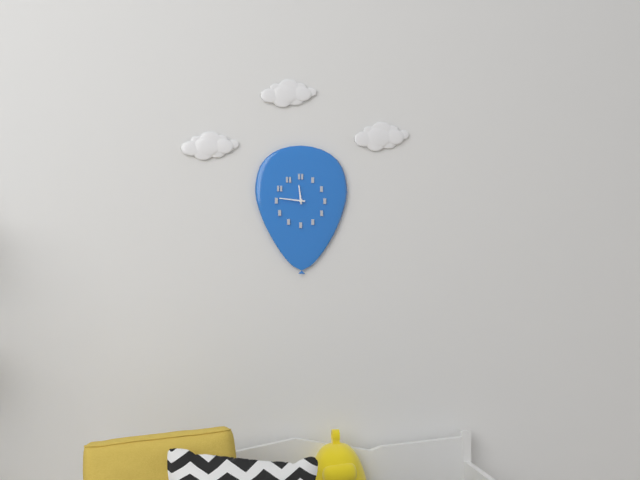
11h46
